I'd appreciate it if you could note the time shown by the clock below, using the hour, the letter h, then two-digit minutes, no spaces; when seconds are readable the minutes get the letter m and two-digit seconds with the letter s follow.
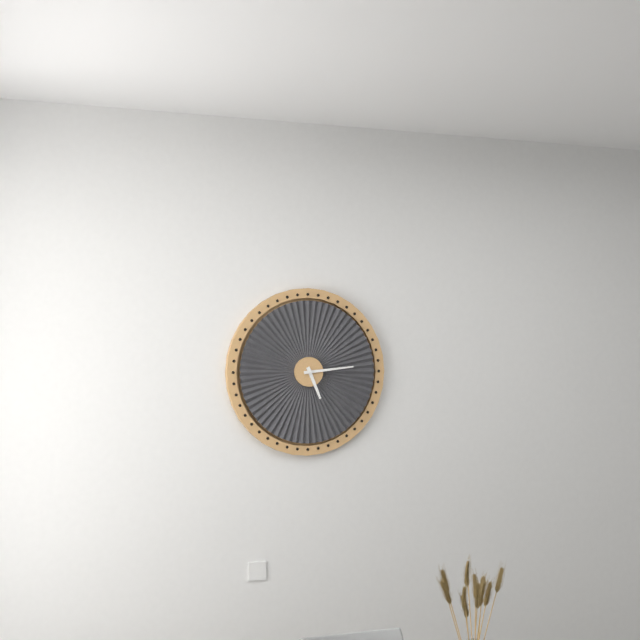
5h14
